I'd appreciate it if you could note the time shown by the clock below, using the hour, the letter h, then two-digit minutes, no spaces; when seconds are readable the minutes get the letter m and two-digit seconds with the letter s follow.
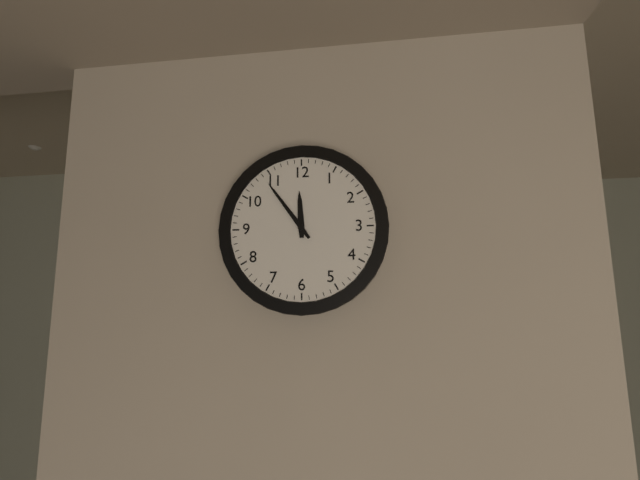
11h54
